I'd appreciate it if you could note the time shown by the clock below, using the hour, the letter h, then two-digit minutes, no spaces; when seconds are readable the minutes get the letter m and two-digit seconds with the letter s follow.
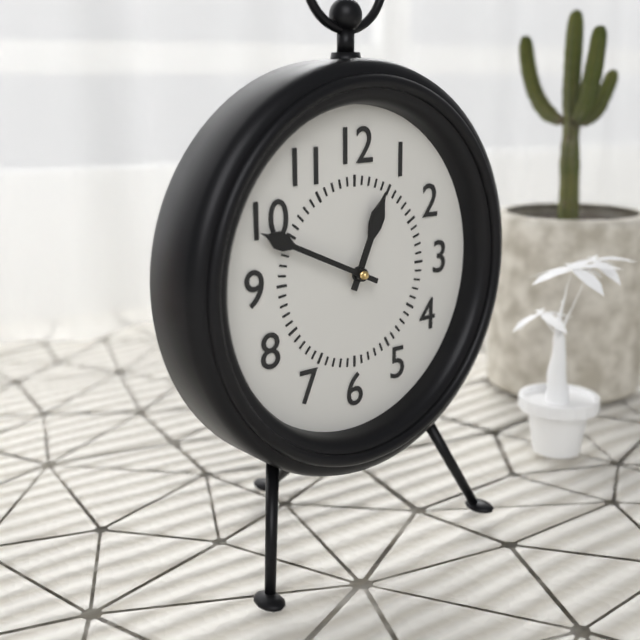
12h49
